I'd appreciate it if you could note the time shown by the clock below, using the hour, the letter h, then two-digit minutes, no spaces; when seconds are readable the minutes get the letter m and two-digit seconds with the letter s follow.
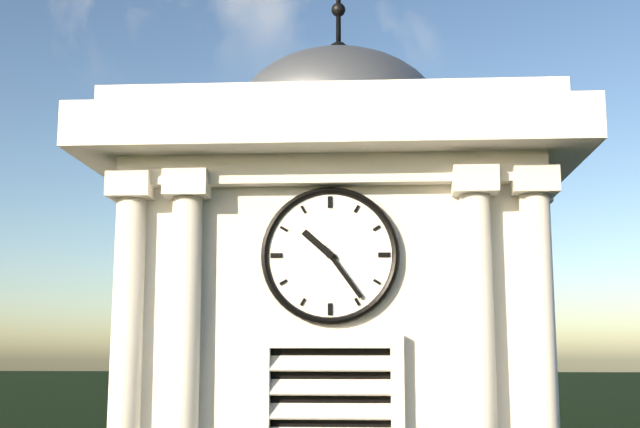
10h24
